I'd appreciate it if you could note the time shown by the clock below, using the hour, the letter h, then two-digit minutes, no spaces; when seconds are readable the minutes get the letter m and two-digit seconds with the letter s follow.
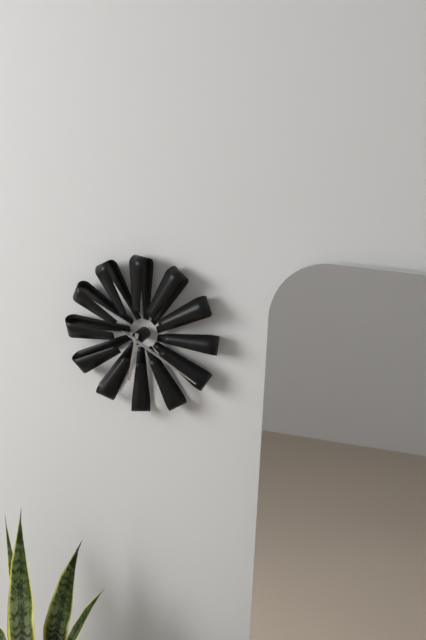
6h20m20s
